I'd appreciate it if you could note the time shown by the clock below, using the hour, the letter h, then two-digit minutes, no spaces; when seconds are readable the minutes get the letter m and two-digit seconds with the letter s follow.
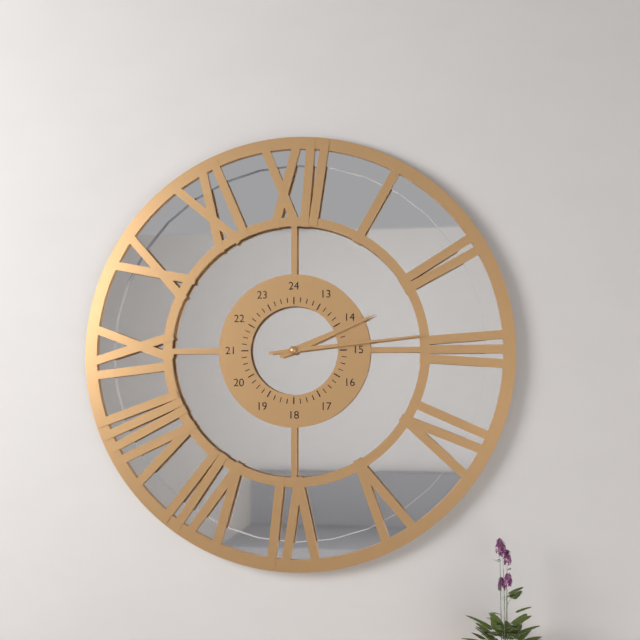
2h14
